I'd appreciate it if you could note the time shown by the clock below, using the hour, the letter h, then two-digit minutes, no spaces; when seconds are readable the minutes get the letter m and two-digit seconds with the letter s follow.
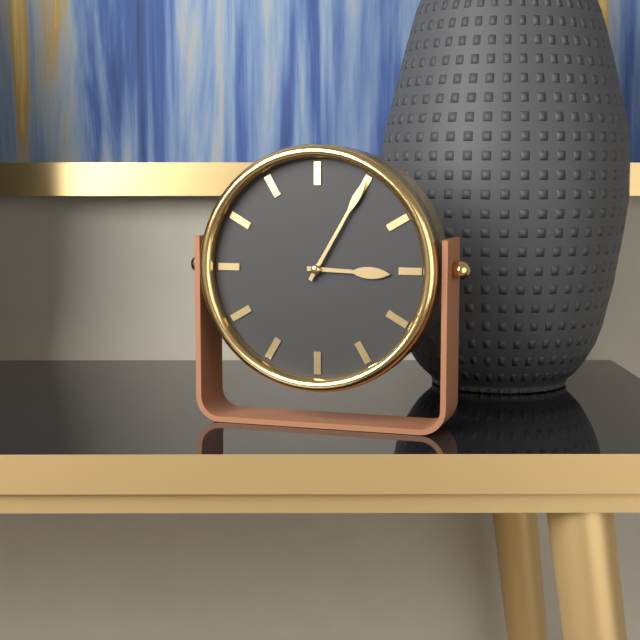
3h05
